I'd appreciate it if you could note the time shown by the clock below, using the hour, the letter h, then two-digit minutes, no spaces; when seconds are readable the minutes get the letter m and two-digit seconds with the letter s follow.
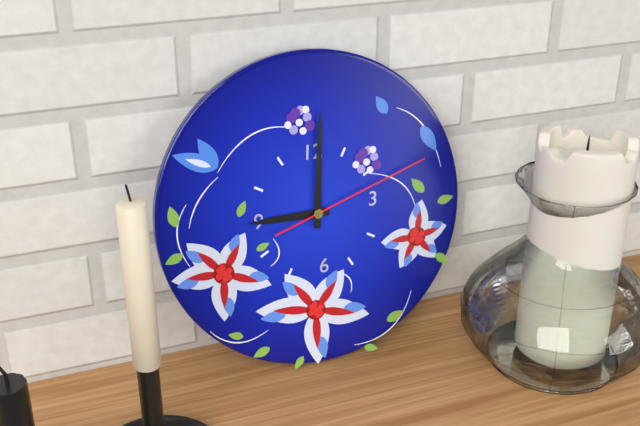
9h01m12s
